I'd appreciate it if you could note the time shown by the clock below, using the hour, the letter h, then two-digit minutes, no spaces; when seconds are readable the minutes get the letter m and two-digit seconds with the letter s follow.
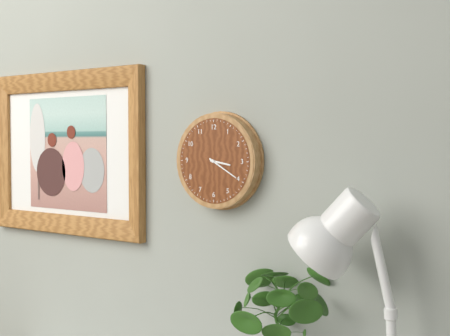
3h20
